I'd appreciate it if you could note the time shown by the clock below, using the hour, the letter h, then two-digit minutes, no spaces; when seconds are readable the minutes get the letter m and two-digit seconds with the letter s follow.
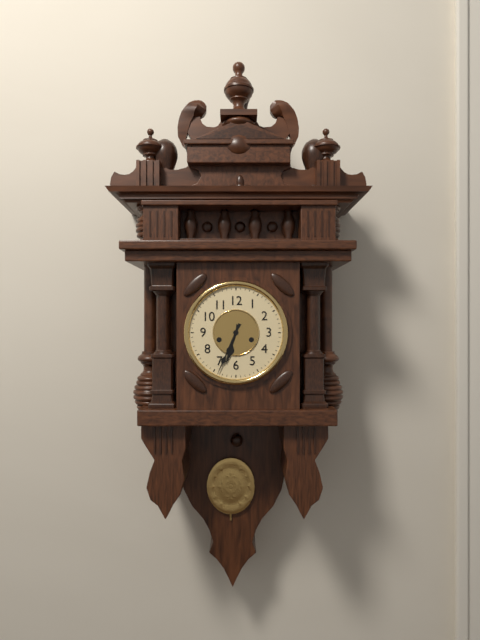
6h34
